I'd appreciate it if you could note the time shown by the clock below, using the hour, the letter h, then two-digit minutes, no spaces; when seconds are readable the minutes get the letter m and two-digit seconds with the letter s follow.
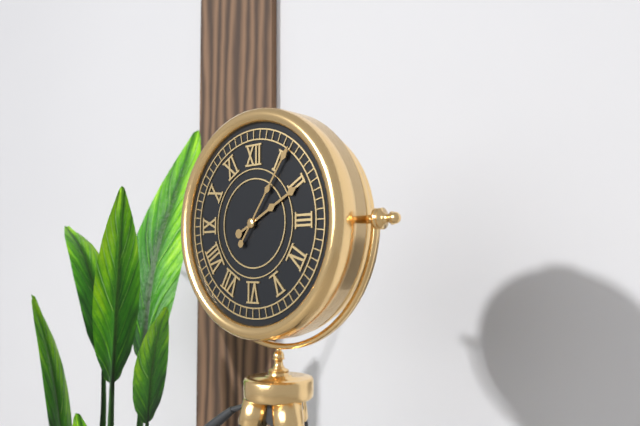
2h06
